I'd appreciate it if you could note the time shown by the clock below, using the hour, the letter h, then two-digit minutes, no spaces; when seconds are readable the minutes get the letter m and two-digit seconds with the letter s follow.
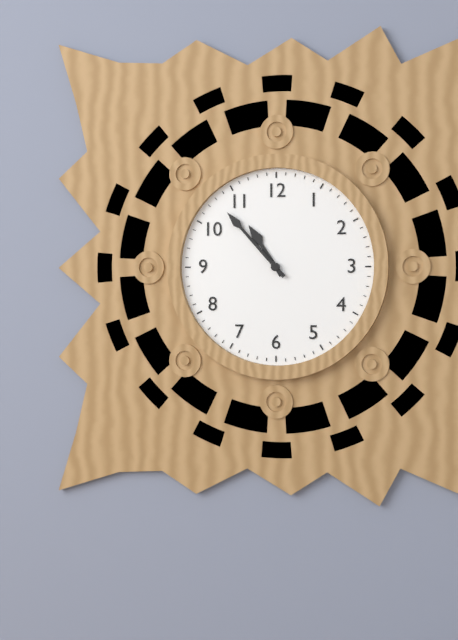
10h53
